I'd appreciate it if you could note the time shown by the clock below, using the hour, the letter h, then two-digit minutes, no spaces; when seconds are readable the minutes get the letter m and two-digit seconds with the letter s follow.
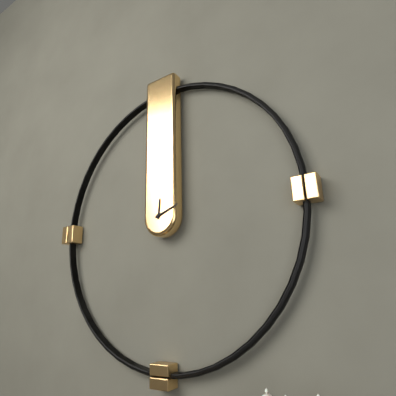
12h12
